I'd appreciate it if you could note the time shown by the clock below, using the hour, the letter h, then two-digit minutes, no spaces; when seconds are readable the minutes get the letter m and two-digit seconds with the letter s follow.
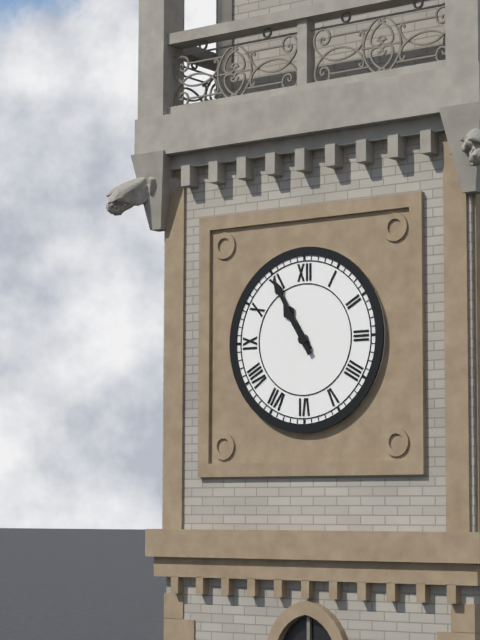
10h55
